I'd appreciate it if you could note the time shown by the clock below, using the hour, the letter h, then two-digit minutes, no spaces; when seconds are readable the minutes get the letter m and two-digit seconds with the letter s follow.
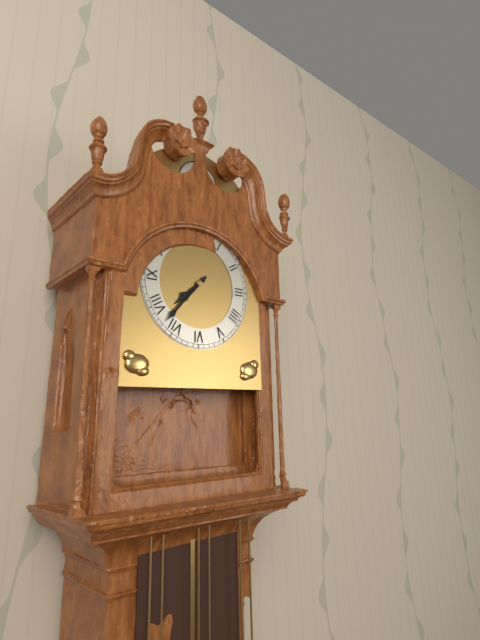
7h37
